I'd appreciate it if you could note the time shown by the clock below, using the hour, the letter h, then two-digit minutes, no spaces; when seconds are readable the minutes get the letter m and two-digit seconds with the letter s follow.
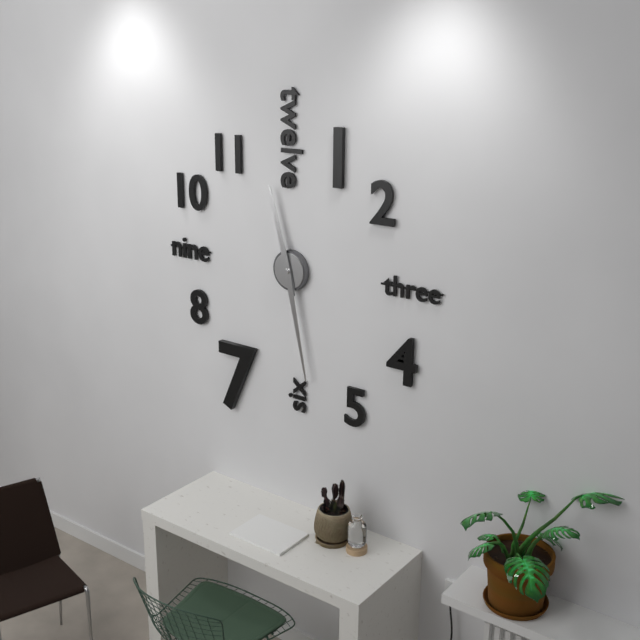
11h28
